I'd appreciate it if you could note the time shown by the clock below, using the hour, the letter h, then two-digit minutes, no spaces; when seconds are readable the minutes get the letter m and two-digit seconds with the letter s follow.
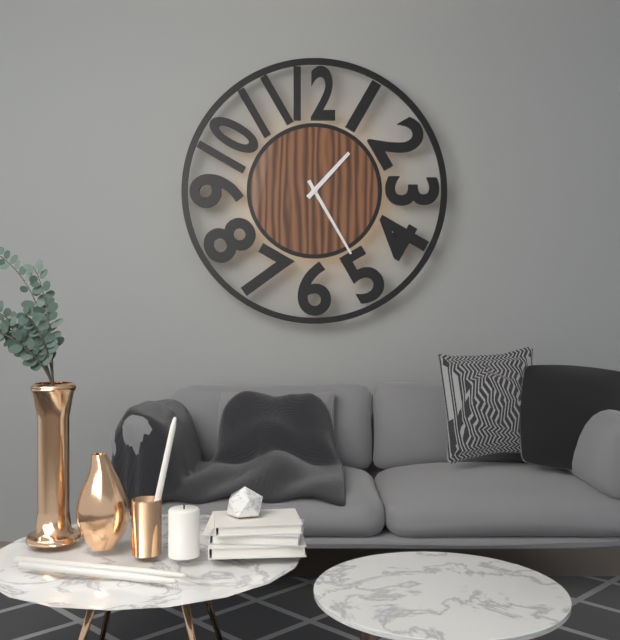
1h25
